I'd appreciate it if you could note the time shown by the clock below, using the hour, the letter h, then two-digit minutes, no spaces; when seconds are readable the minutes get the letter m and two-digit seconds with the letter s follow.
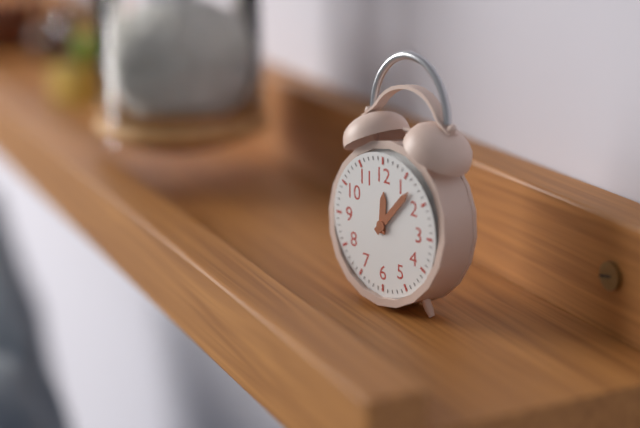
12h07
